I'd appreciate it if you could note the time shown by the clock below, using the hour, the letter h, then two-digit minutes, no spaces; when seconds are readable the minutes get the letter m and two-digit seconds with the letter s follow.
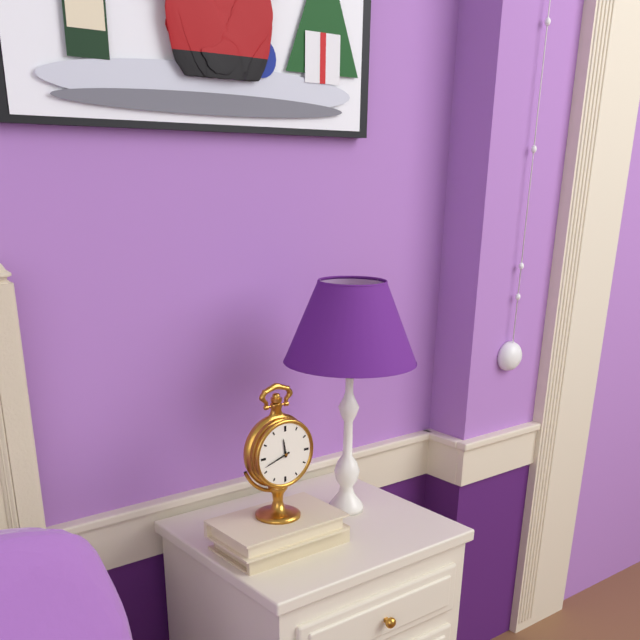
11h42
